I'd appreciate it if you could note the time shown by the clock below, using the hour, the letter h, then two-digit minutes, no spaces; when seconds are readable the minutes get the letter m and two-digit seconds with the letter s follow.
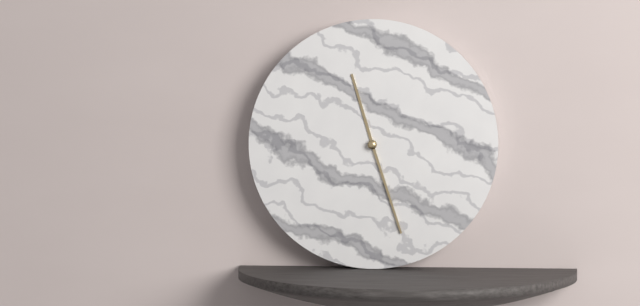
11h27
